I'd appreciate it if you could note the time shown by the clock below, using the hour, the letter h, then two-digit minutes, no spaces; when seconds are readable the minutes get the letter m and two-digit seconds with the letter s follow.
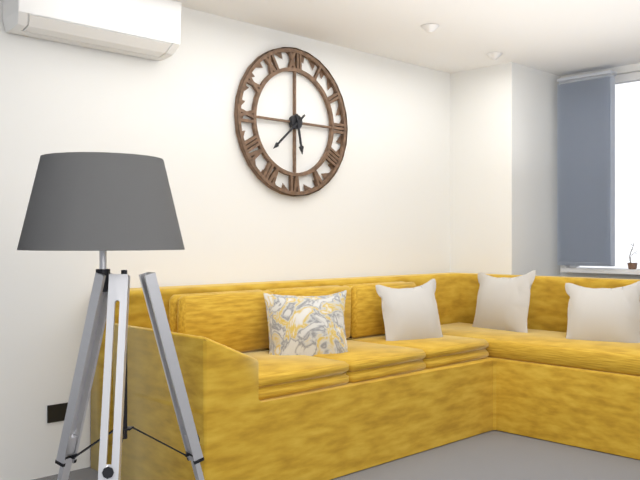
5h38
